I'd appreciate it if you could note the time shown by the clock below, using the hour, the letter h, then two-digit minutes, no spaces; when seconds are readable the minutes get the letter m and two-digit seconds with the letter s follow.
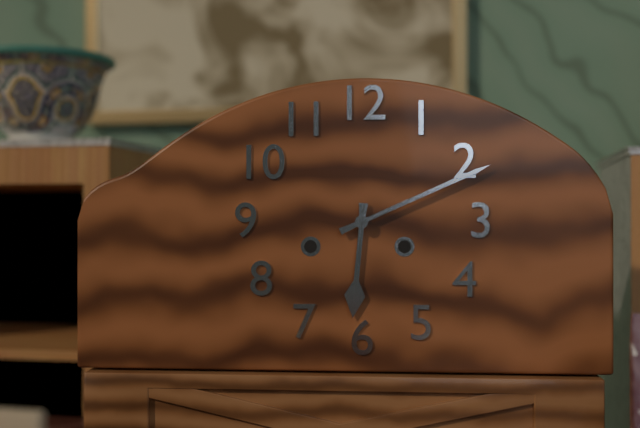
6h11
